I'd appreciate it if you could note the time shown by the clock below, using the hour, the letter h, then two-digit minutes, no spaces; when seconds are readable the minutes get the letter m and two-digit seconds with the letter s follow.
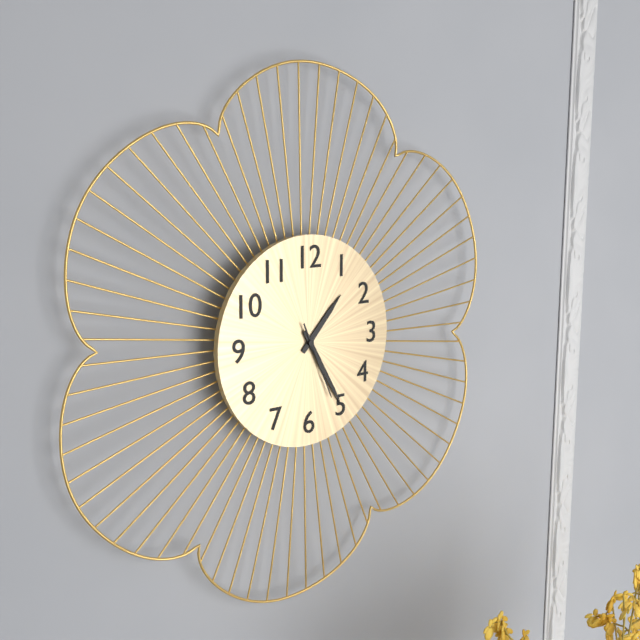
1h25m26s
